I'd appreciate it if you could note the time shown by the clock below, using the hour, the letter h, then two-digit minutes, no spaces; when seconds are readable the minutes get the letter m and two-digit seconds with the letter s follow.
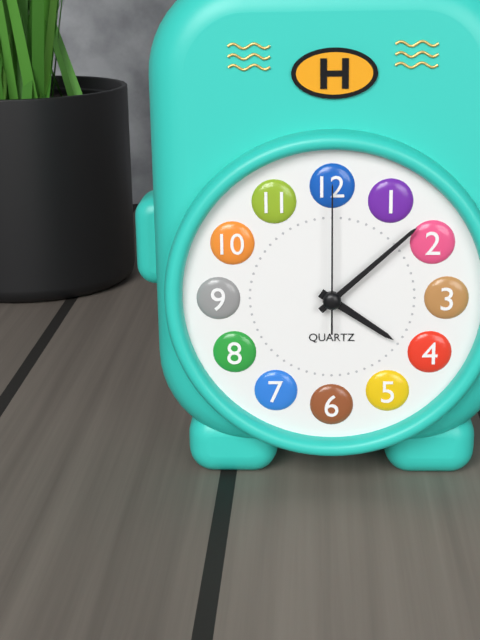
4h08m00s
